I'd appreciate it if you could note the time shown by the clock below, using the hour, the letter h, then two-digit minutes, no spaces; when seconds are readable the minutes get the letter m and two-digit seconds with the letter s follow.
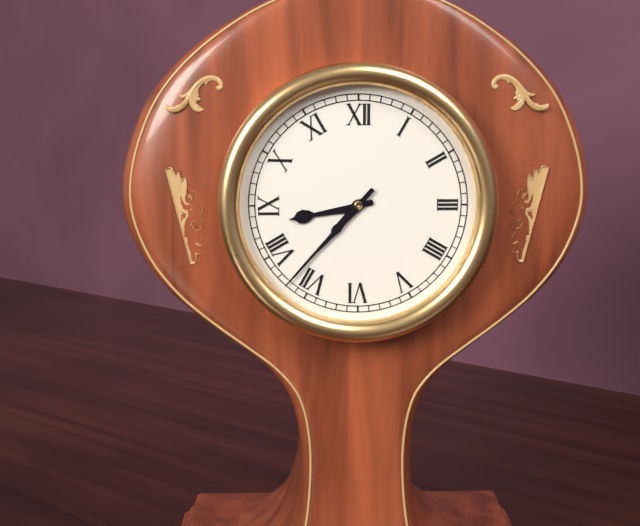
8h37
